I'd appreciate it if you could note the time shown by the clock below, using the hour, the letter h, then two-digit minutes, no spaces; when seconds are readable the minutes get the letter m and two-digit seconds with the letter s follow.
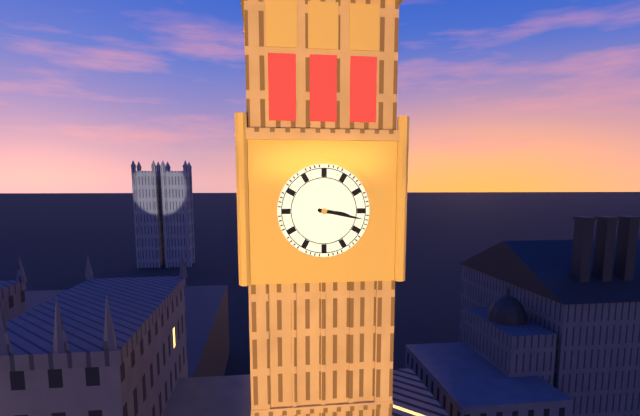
3h17
